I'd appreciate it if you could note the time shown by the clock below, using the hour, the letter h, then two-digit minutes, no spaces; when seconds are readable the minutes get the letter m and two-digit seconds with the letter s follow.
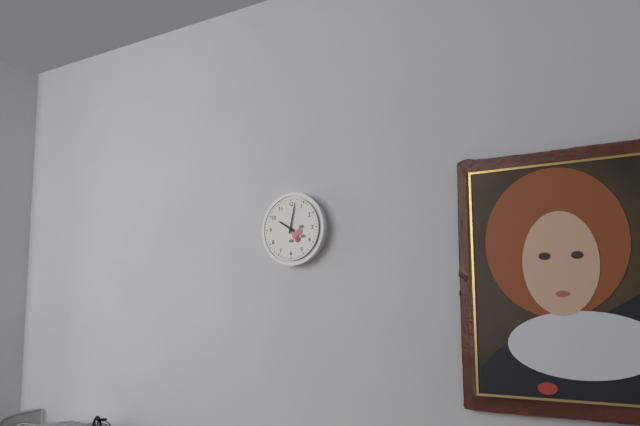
10h02
